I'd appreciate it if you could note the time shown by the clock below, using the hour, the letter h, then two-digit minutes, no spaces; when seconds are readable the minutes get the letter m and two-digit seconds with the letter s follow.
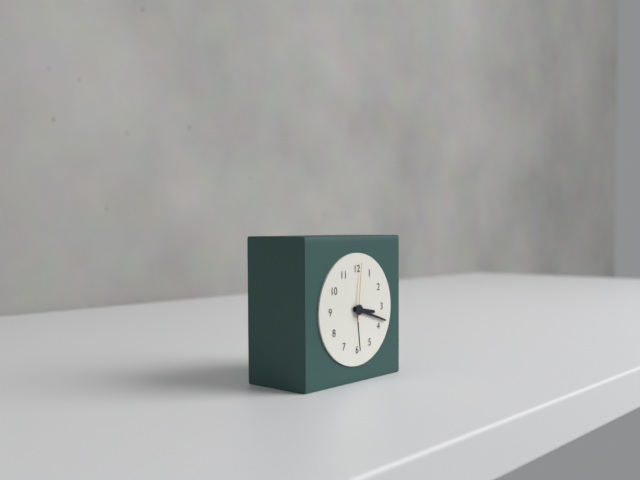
3h18m01s
